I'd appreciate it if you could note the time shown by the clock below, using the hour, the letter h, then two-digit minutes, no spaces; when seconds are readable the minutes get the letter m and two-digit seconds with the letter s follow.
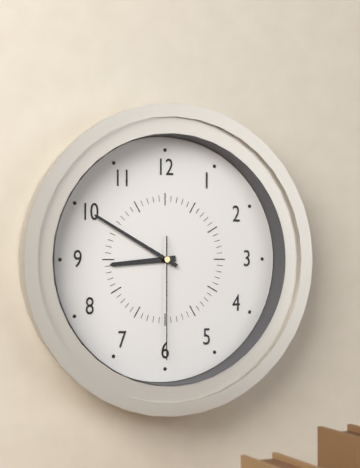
8h50m30s
